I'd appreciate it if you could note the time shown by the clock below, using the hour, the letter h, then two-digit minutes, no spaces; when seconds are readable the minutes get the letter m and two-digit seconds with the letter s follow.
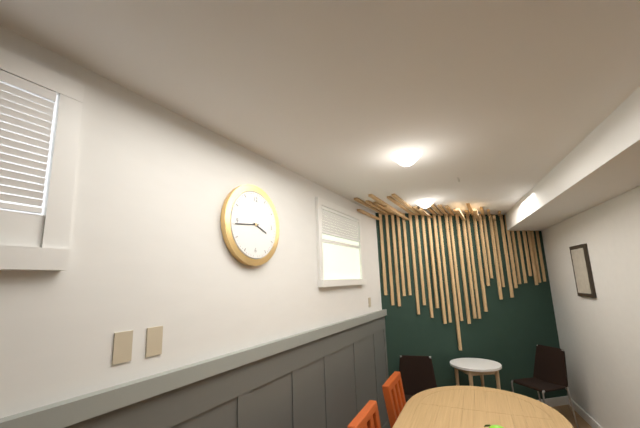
3h44
